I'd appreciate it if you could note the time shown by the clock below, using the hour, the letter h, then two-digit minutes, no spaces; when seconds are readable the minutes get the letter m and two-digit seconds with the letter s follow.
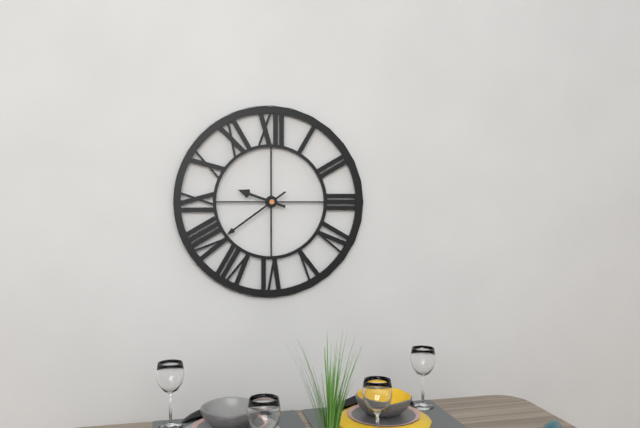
9h39
